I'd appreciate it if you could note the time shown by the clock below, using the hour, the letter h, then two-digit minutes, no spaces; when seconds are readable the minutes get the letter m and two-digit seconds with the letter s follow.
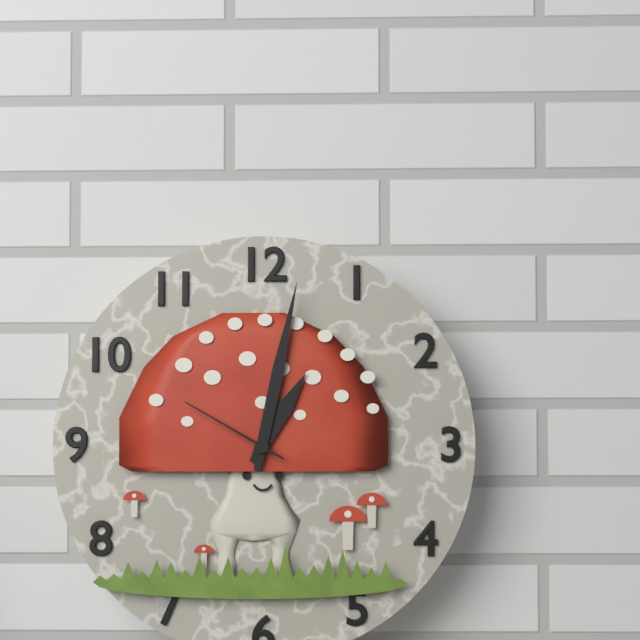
1h02m50s
